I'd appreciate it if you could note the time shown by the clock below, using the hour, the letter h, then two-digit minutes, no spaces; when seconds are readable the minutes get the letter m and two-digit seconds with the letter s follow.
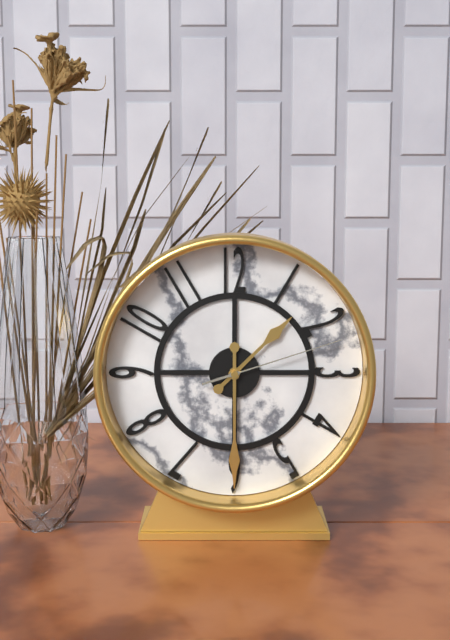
1h30m12s
